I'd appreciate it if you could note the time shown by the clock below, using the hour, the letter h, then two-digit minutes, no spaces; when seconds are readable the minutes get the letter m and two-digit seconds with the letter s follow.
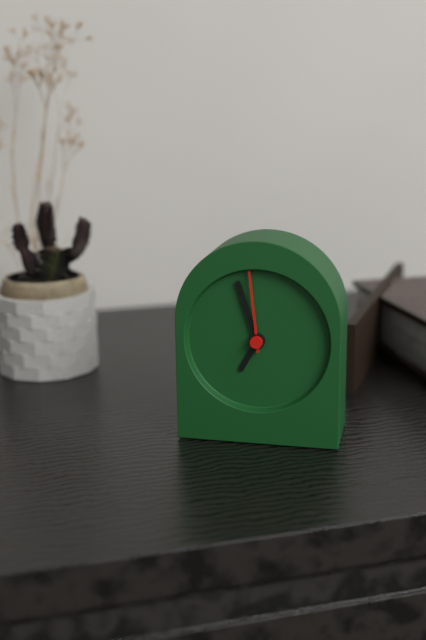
6h57m59s
